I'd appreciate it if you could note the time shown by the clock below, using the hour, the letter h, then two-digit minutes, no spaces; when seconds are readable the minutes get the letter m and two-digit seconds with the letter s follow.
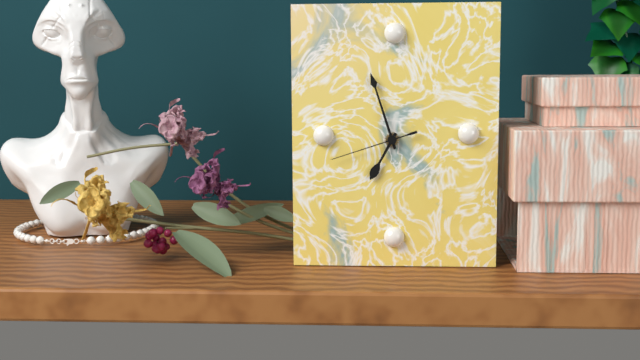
6h57m42s
